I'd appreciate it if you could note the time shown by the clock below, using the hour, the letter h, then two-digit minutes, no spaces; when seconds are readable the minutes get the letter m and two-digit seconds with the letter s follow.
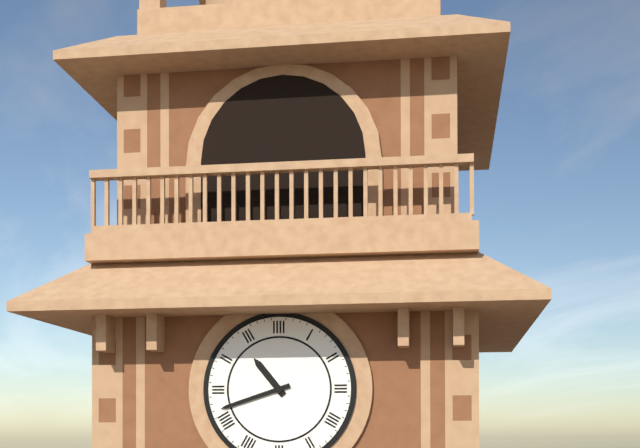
10h42
